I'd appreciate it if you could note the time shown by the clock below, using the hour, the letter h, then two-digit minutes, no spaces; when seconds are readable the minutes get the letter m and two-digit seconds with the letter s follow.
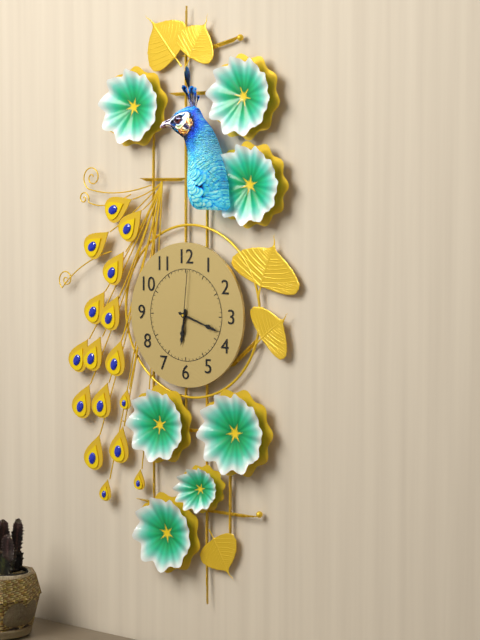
6h18m01s
